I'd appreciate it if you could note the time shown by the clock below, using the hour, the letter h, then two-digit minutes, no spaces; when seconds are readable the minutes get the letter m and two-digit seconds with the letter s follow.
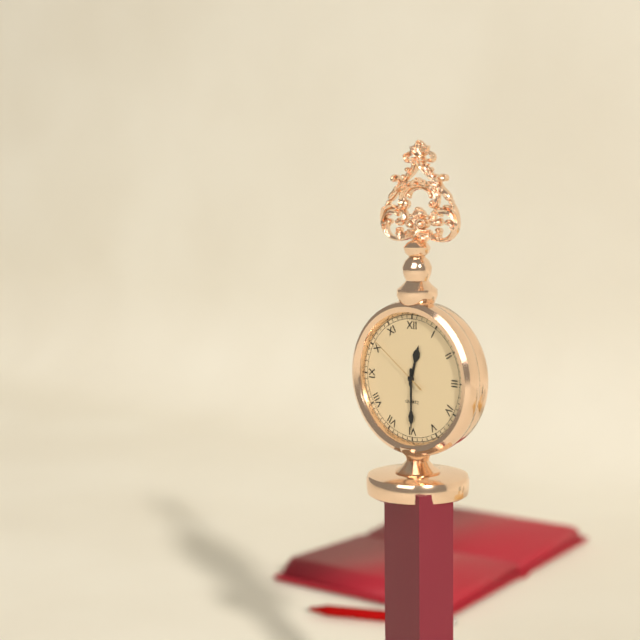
12h30m51s
